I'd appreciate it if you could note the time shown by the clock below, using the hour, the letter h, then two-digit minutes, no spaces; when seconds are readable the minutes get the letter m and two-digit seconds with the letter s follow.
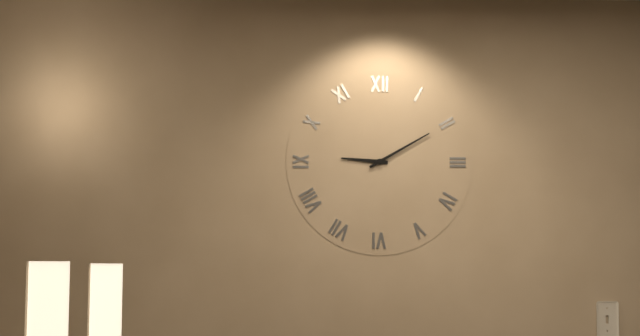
9h10
